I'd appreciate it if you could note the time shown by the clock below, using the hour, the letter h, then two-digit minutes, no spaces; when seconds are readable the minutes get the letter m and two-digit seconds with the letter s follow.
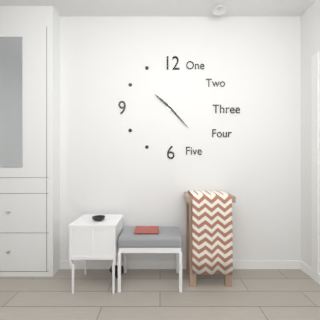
10h23
